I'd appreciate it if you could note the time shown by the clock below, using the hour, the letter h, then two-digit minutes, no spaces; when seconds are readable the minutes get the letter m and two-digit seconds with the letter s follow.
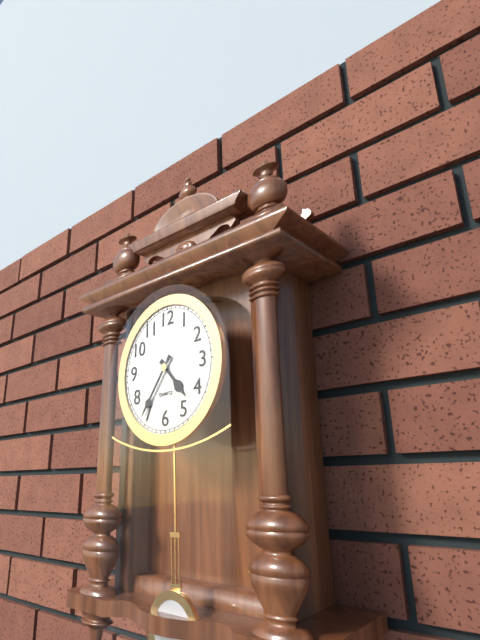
4h36
